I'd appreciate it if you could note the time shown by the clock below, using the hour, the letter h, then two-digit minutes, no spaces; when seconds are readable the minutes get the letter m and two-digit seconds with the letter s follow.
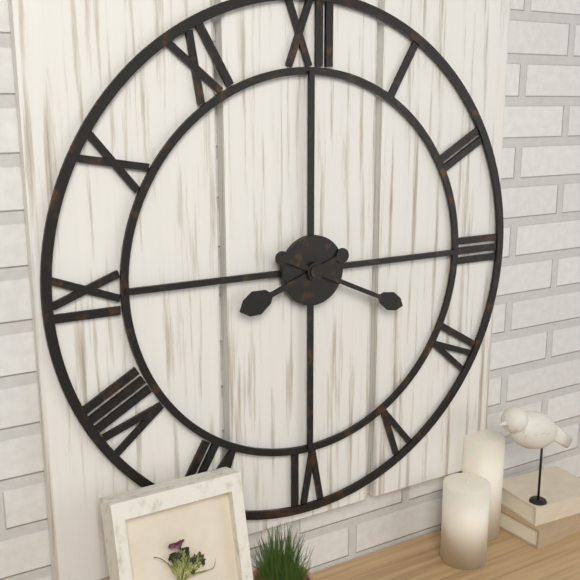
8h19
